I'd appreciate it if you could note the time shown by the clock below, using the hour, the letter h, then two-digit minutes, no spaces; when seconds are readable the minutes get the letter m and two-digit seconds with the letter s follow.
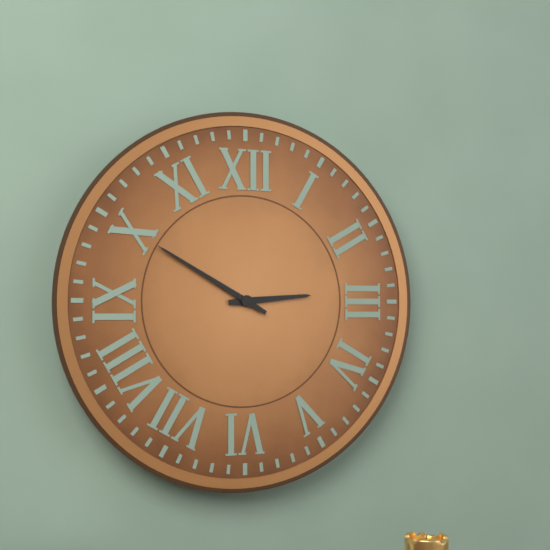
2h50
